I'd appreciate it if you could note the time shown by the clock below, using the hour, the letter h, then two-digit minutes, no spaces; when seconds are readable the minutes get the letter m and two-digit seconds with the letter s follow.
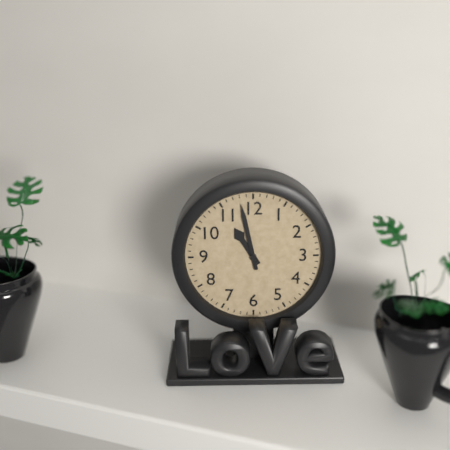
10h58
